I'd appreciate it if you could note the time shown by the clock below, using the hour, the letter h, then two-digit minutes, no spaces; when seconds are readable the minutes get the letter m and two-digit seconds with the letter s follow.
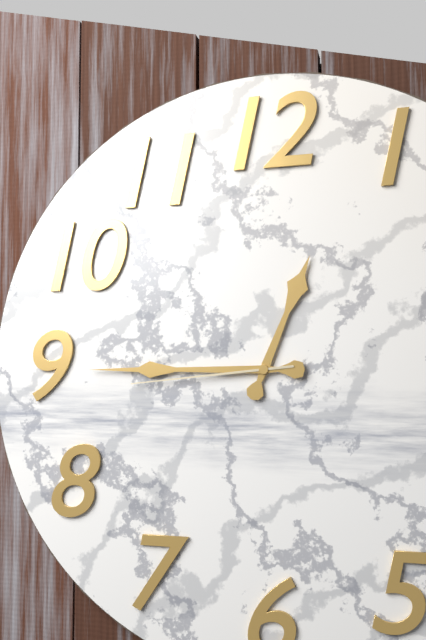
12h45m44s
